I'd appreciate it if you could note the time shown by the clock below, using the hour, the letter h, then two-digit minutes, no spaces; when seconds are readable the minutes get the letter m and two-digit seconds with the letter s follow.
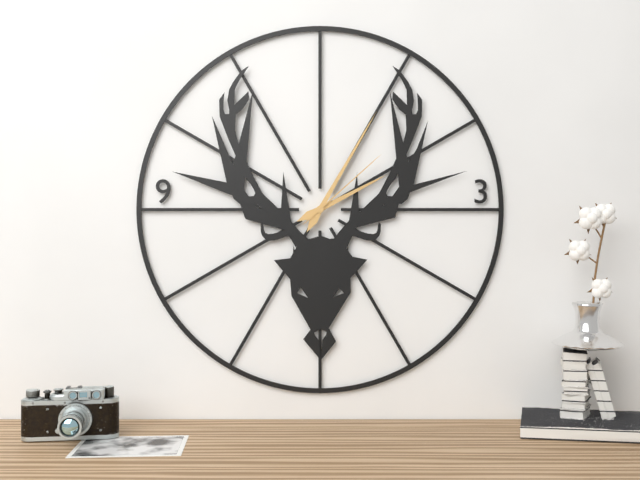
2h05m08s
